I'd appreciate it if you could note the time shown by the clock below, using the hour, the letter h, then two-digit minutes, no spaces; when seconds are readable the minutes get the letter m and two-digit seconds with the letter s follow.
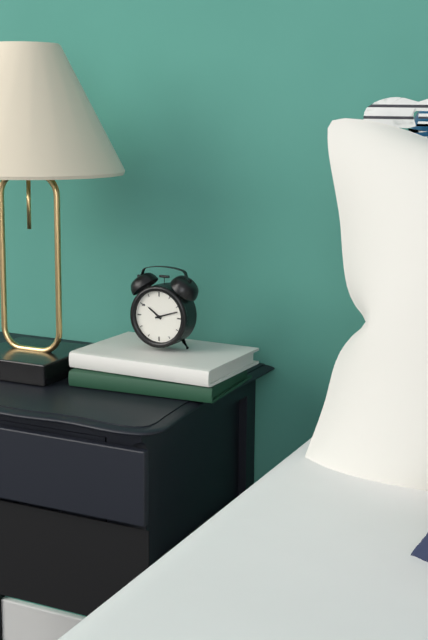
10h12
